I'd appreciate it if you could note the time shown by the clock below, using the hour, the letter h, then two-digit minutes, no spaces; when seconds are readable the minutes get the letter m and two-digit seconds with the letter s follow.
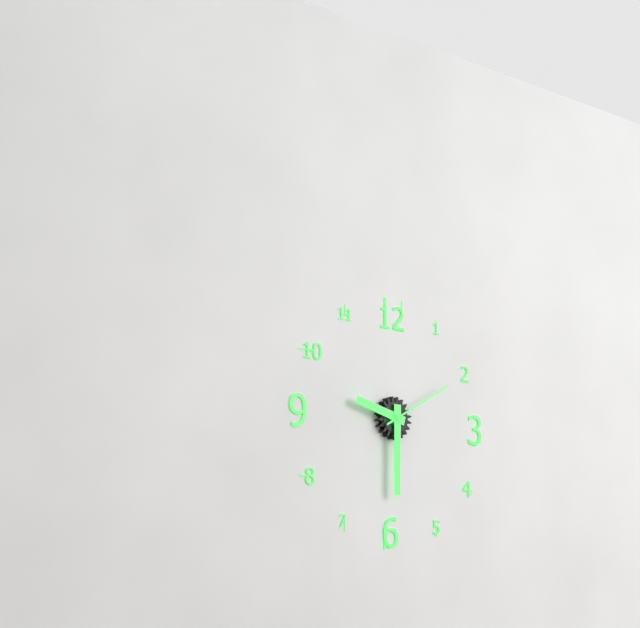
9h30m10s
